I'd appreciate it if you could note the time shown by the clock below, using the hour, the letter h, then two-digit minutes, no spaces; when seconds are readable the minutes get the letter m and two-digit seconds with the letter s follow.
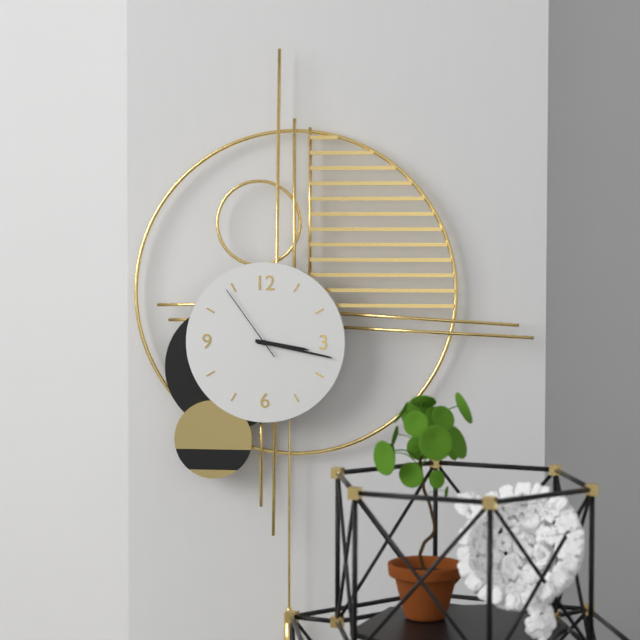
3h17m54s
